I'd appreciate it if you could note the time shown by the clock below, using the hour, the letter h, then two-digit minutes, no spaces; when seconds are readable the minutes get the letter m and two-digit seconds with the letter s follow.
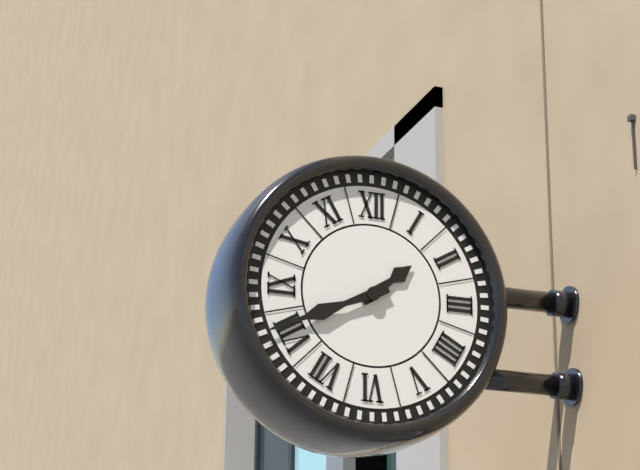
1h41
